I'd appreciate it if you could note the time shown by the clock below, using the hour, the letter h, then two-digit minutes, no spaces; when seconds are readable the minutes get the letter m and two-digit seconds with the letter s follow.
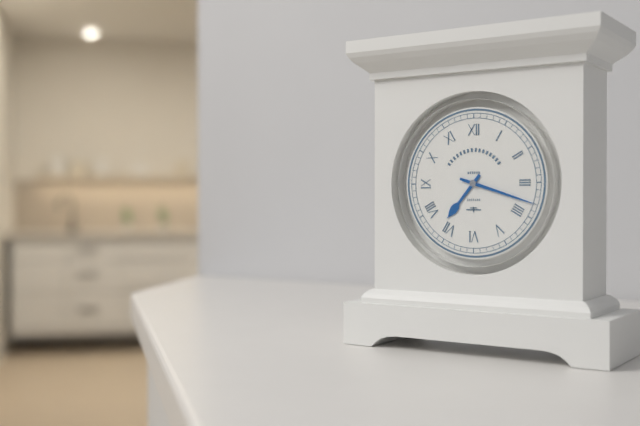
7h18
